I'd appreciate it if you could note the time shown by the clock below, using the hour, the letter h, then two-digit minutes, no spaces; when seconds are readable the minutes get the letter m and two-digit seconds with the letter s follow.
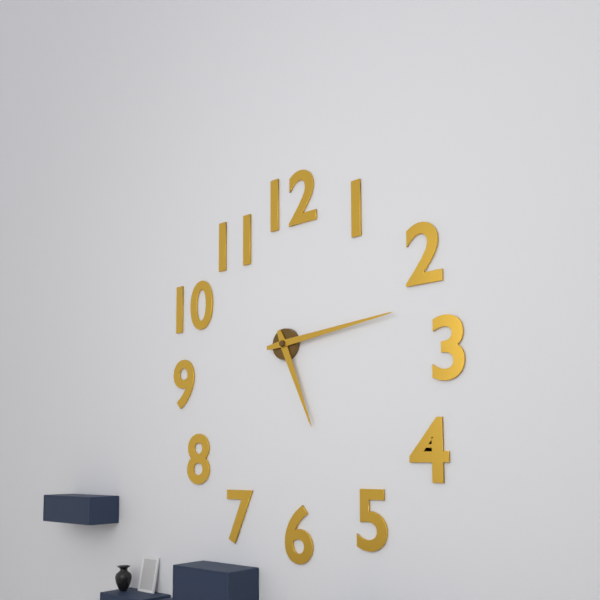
5h14
